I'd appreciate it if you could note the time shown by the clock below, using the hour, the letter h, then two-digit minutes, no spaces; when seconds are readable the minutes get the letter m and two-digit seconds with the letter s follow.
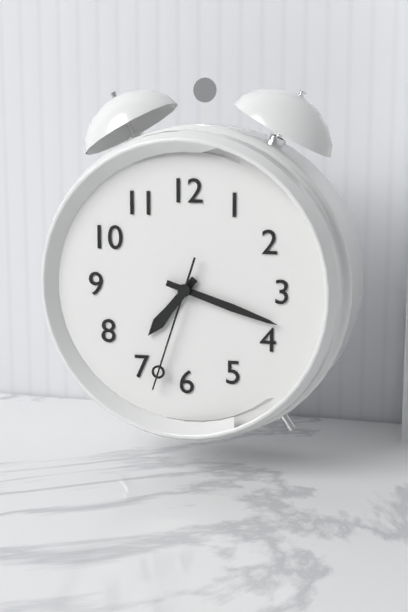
7h18m33s
